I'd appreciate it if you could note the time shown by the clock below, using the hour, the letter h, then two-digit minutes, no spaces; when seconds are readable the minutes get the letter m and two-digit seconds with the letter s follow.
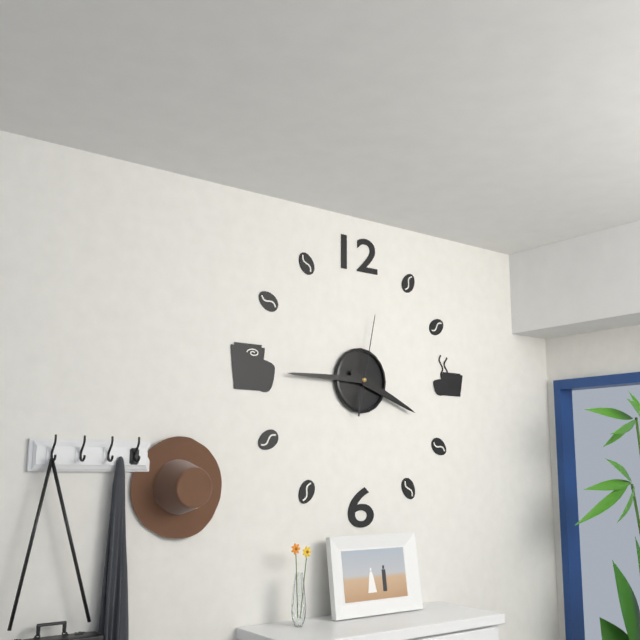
3h45m02s
